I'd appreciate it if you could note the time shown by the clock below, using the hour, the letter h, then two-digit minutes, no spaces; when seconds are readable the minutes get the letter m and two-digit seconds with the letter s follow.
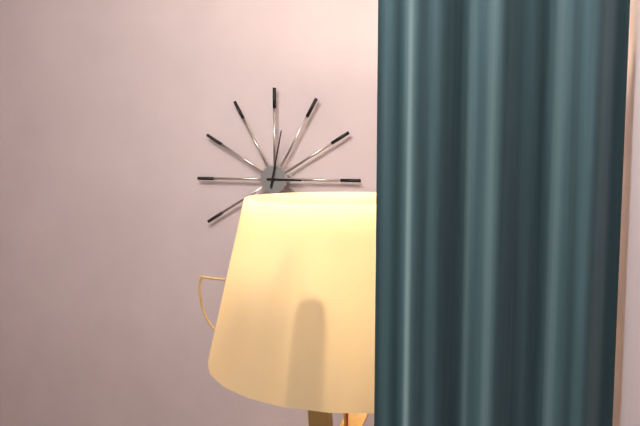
3h02
